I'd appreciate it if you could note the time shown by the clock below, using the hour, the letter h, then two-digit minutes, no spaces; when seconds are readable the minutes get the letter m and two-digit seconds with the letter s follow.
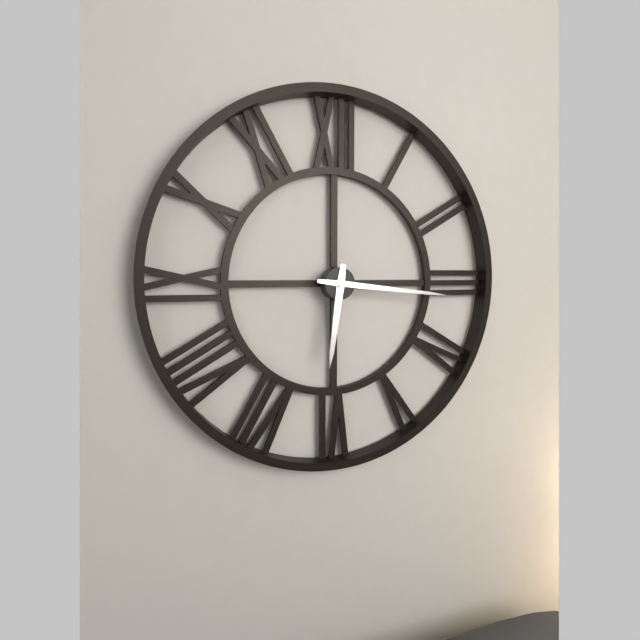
6h16
